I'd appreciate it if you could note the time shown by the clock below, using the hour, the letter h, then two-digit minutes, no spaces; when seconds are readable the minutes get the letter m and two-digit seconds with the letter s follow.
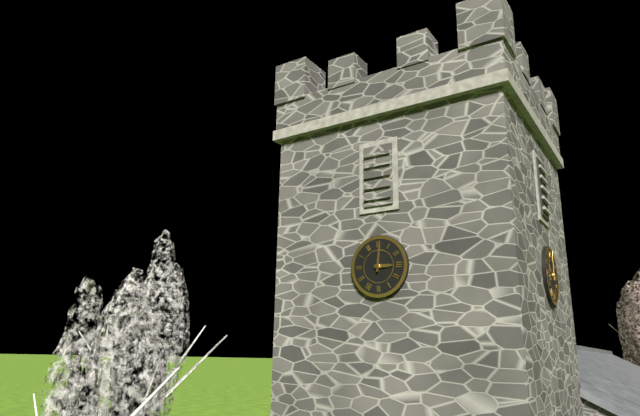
3h01
